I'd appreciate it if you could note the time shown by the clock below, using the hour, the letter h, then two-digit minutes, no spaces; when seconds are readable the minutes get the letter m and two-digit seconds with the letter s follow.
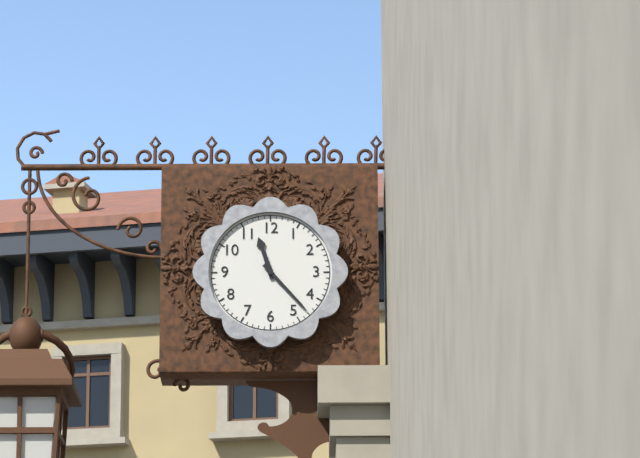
11h23
